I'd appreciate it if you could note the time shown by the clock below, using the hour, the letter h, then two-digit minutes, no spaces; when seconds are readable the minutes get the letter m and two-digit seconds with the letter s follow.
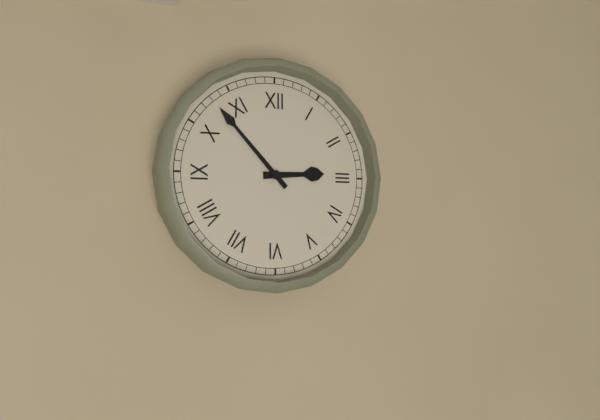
2h53
